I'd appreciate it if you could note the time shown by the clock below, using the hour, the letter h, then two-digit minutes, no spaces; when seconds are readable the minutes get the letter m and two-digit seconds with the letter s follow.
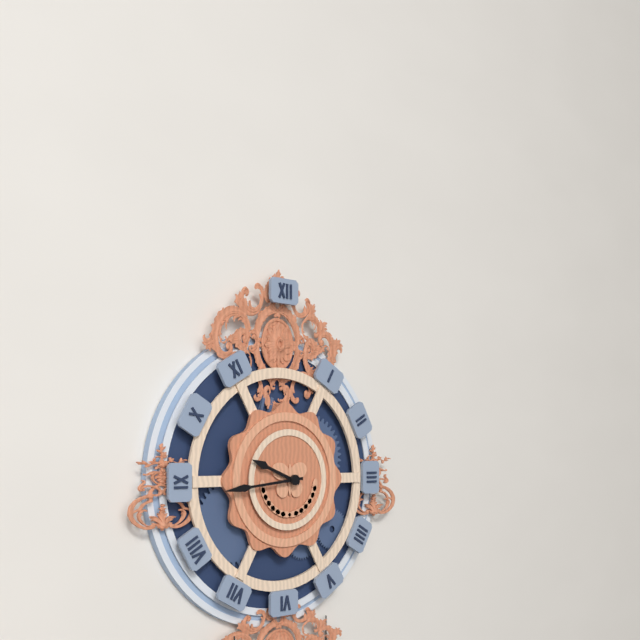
9h44
